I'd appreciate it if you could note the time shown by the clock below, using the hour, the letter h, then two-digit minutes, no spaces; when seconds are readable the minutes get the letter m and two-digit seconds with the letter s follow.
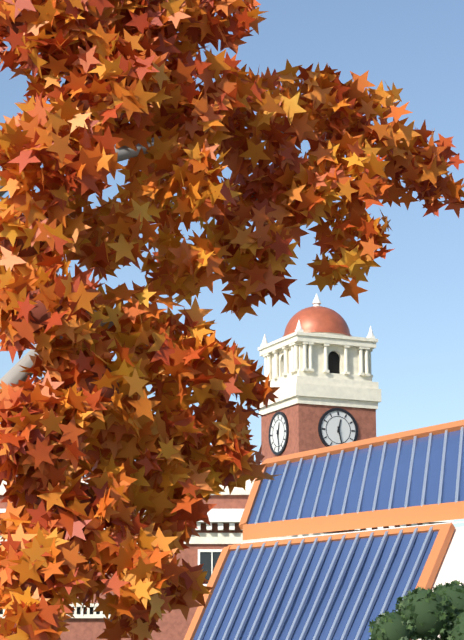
12h28
